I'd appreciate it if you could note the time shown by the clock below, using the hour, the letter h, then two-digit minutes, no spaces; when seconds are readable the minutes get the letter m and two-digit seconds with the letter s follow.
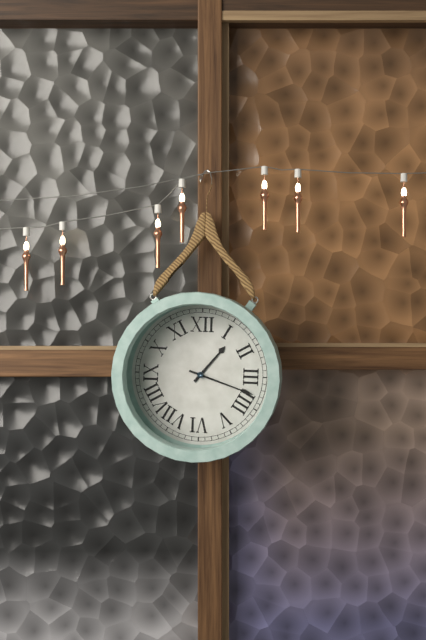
1h18
